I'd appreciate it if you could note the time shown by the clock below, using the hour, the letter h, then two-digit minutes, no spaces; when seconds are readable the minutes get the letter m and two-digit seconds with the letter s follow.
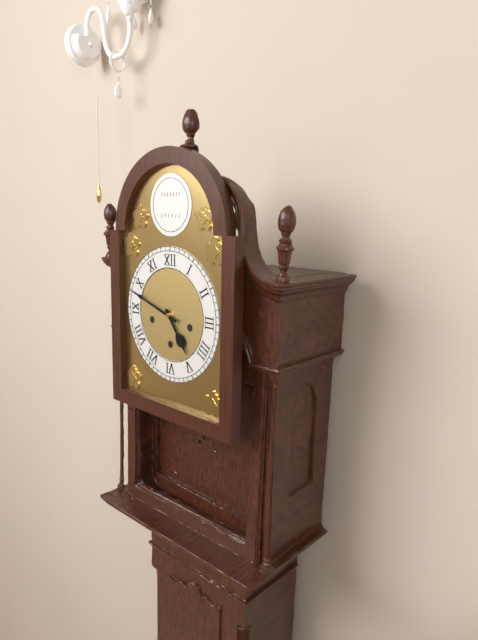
4h48
